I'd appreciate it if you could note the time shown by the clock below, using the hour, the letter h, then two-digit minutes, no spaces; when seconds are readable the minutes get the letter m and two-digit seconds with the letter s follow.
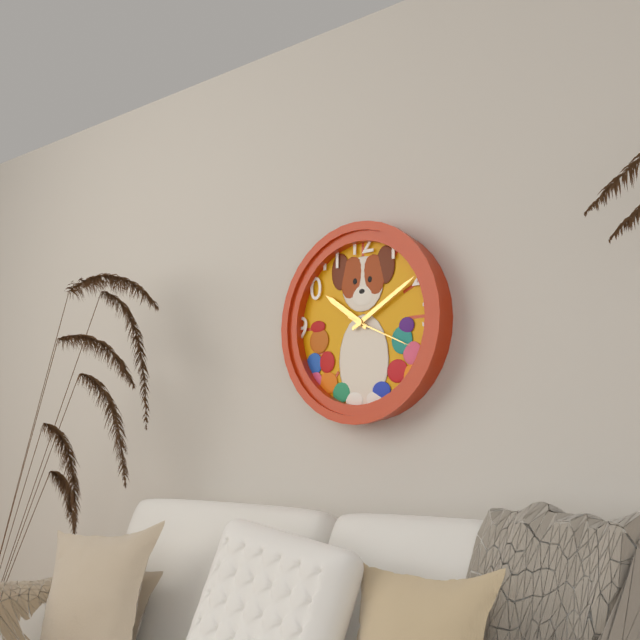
10h10m19s
